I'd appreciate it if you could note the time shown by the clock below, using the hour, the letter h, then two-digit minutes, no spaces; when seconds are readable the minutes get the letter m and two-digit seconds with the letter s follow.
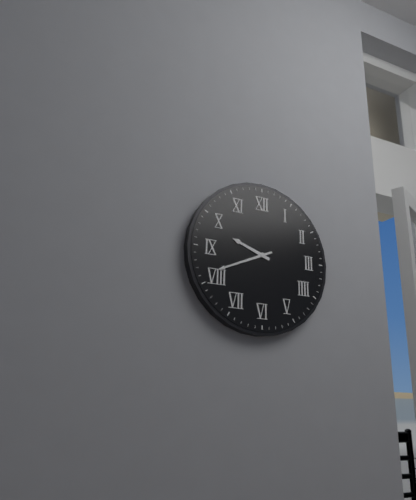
9h41
